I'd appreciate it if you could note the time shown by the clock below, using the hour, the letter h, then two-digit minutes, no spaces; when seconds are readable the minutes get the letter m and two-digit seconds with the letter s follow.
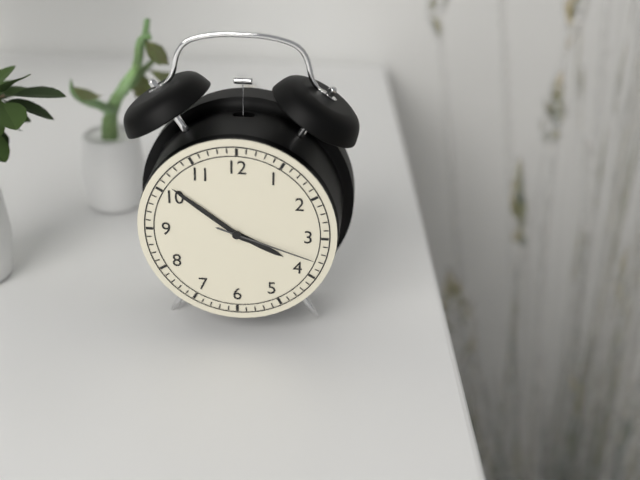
3h51m18s
